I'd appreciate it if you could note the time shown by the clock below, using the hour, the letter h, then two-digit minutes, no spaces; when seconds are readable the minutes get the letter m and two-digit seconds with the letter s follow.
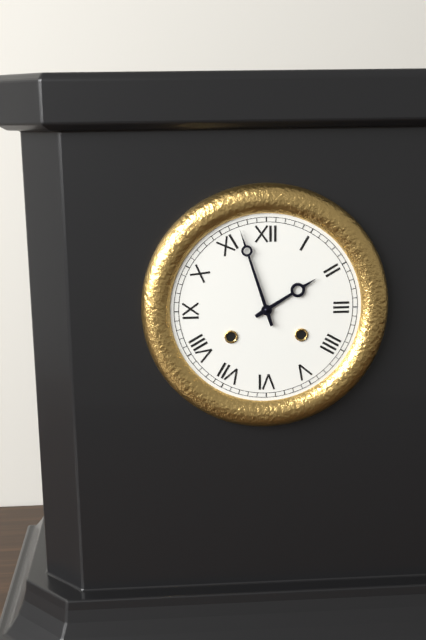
1h57
